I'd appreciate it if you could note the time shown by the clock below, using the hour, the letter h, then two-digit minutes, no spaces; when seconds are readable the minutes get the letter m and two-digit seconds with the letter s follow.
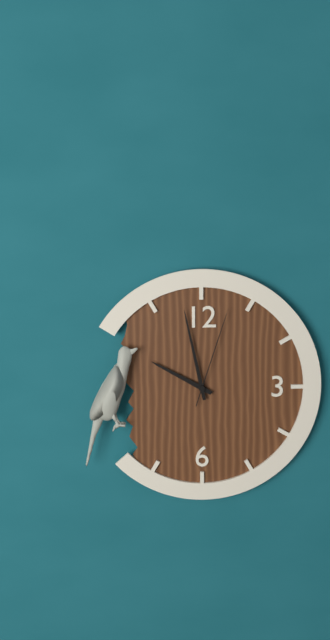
9h58m03s
